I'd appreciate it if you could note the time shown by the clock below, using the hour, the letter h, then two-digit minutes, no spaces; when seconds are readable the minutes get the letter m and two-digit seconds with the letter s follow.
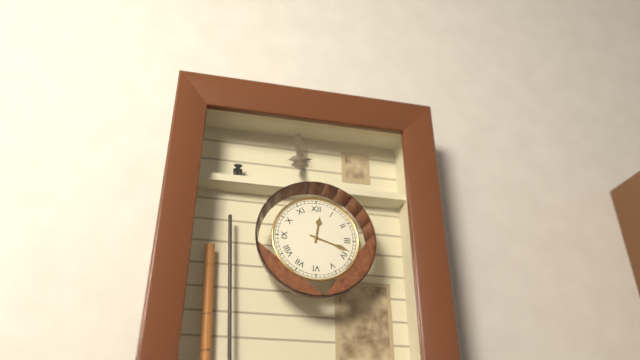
12h18
